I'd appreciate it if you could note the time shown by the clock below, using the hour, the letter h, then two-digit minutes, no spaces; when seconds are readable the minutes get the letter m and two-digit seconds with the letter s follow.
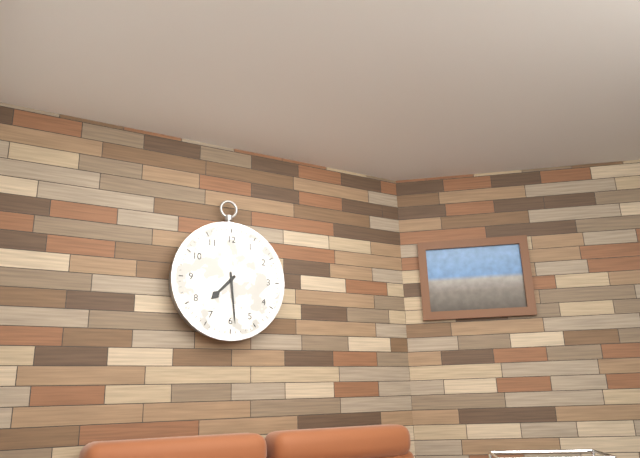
7h29
